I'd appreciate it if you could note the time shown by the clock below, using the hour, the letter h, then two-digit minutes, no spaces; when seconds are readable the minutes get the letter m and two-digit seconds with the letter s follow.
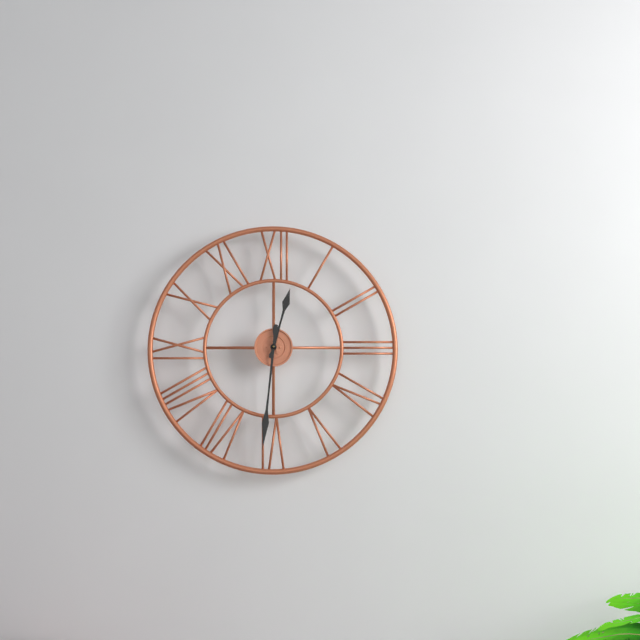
12h31
